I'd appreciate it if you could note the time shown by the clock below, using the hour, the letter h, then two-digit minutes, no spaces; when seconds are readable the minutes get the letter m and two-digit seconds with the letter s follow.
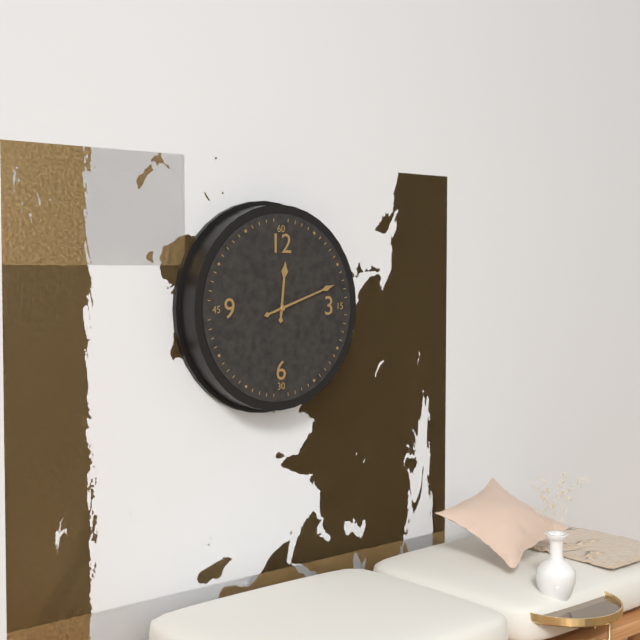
12h12
